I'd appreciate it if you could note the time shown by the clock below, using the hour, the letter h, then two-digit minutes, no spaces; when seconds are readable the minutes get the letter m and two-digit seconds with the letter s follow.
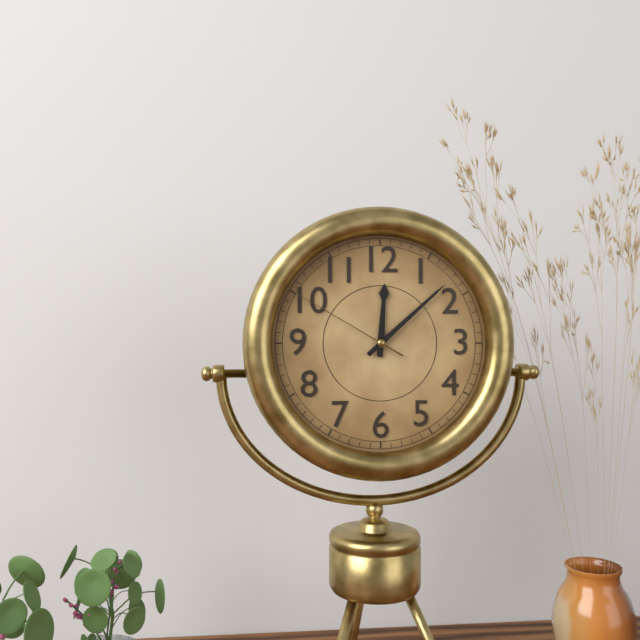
12h08m50s
